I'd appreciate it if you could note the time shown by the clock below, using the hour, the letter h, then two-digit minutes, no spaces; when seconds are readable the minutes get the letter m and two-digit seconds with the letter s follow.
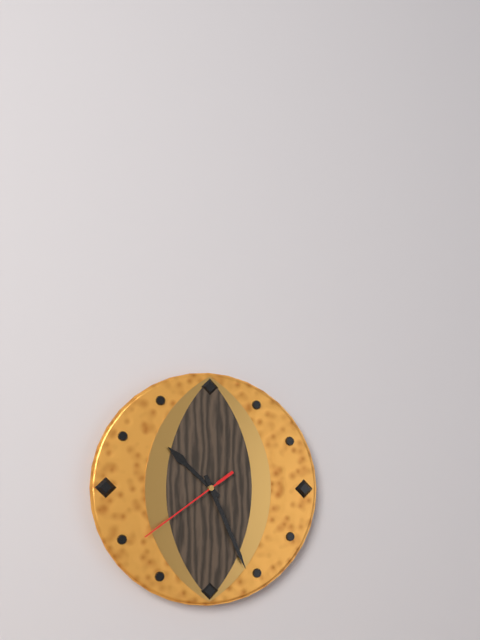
10h26m39s
